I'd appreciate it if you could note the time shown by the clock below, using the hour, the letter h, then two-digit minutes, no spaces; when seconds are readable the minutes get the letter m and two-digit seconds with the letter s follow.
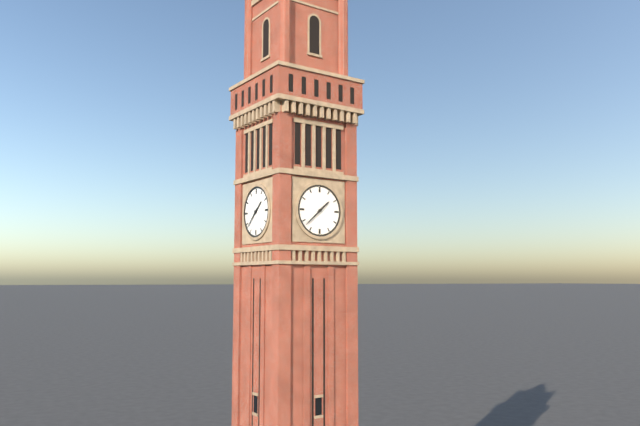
1h38
